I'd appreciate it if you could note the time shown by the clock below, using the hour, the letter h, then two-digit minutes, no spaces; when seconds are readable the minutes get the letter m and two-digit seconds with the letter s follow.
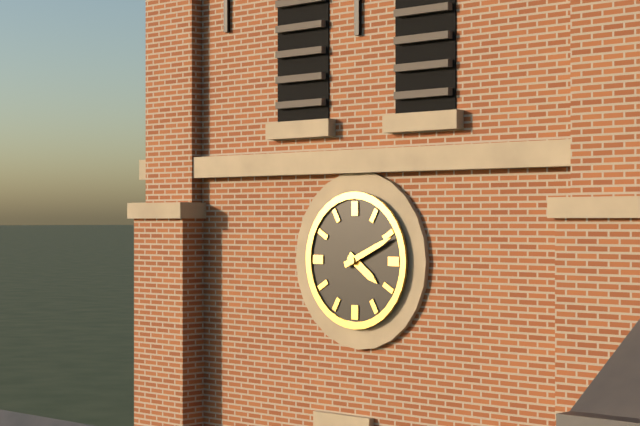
4h11
